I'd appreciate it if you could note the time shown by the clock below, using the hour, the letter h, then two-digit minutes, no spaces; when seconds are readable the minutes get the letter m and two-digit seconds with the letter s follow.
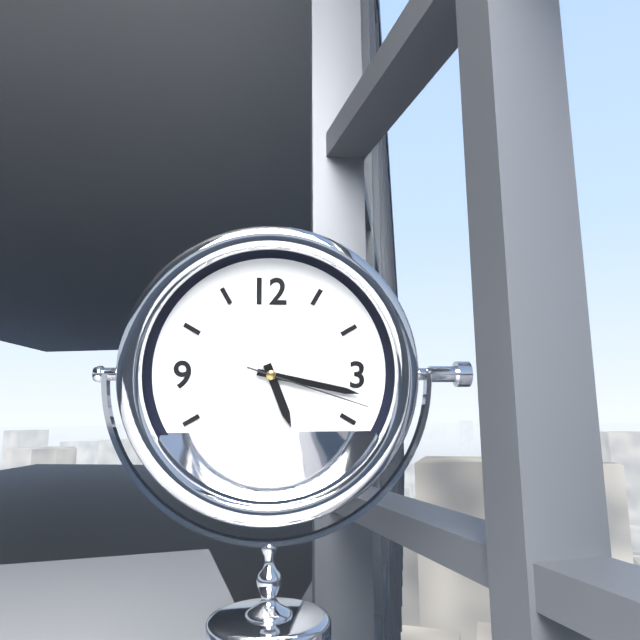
5h17m18s
